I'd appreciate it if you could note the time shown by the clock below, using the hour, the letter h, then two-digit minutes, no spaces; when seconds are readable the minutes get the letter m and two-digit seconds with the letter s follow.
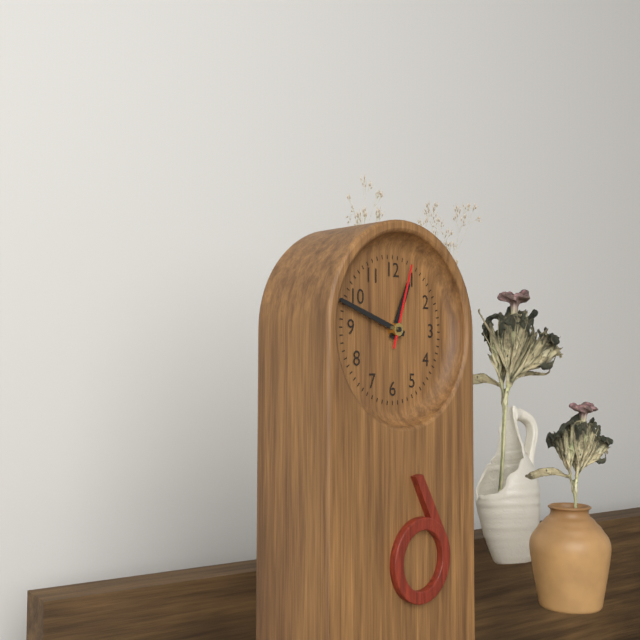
12h48m03s
